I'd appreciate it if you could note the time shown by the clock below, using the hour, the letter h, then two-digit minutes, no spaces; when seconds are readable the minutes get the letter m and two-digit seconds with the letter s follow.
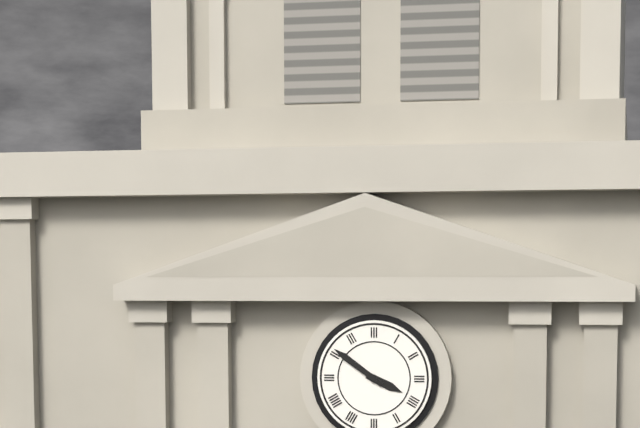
3h51
